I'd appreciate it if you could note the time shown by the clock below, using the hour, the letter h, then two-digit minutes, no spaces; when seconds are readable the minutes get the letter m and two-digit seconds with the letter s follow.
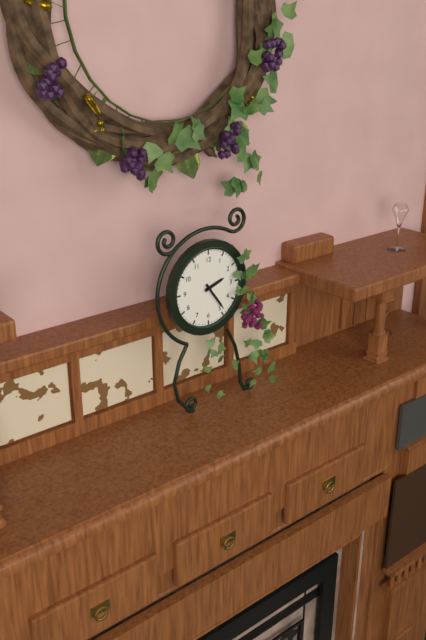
2h24
